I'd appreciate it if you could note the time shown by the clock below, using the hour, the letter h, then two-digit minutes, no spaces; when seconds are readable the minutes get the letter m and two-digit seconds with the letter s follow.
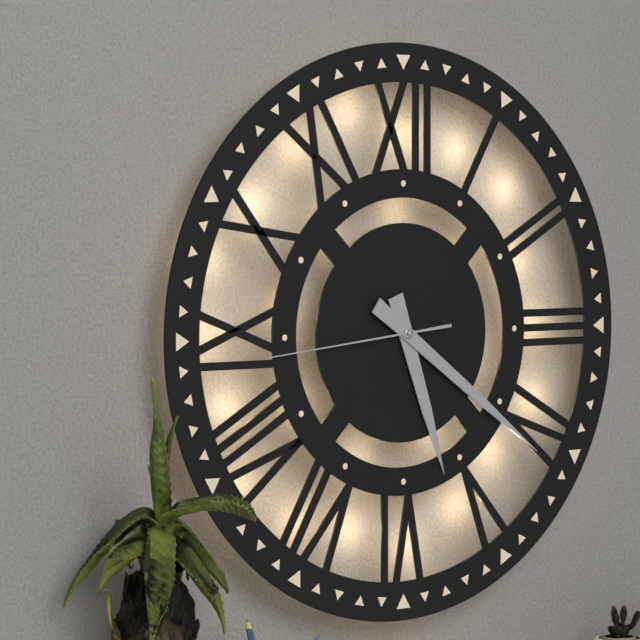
5h21m44s
